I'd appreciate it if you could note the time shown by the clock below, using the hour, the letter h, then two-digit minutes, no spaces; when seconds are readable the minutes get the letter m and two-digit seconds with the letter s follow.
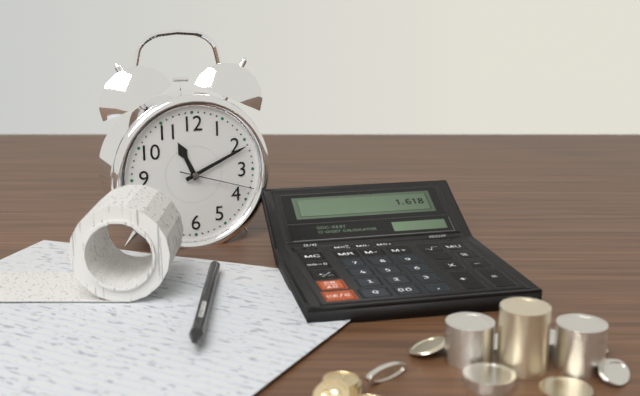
11h11m18s
